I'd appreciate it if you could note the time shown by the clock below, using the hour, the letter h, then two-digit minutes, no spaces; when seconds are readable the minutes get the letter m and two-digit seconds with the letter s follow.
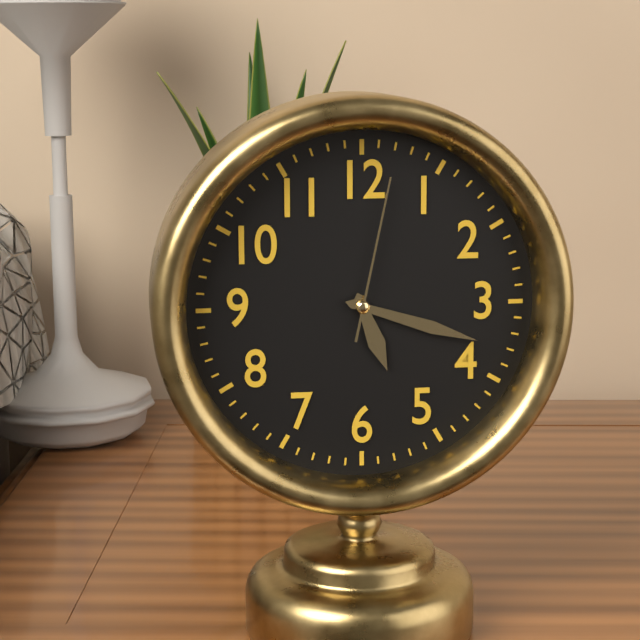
5h18m02s
